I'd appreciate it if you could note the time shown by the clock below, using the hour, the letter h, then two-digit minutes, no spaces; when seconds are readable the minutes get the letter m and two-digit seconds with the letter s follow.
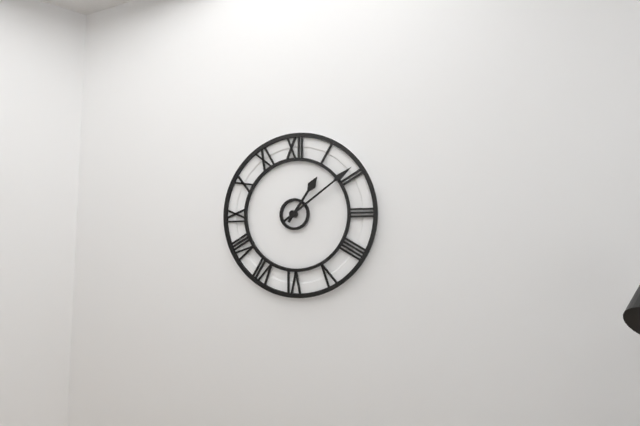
1h09
